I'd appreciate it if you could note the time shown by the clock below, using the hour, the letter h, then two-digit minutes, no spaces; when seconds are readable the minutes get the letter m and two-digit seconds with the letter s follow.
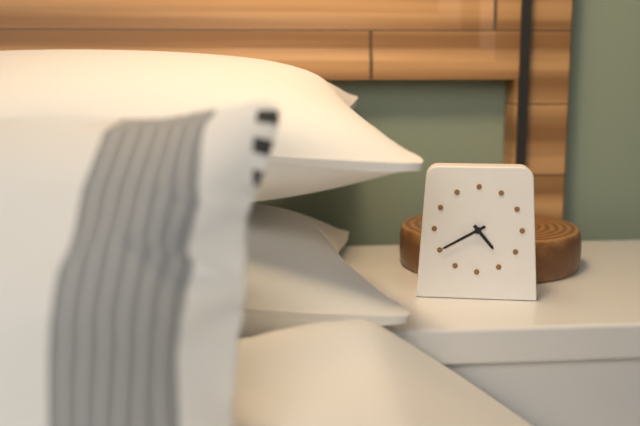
4h40
